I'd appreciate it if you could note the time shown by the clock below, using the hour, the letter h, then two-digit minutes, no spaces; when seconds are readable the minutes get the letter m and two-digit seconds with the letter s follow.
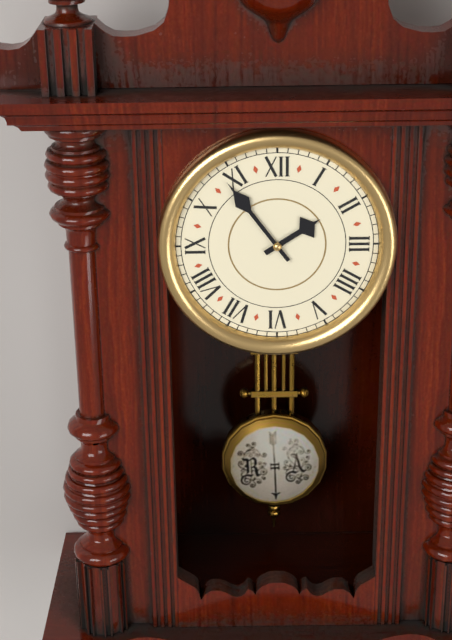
1h54
